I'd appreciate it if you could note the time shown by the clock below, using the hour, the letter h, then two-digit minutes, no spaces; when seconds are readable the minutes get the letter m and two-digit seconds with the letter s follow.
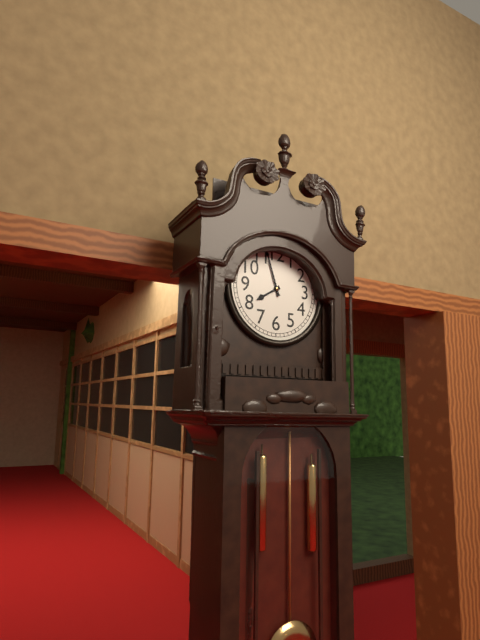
7h57
